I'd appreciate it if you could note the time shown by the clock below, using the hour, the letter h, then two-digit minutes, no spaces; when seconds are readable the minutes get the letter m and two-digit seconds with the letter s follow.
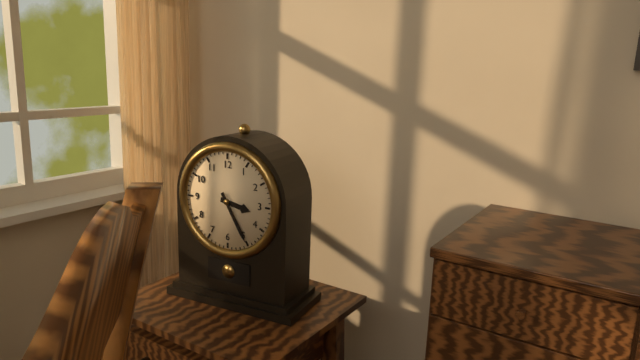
3h25
